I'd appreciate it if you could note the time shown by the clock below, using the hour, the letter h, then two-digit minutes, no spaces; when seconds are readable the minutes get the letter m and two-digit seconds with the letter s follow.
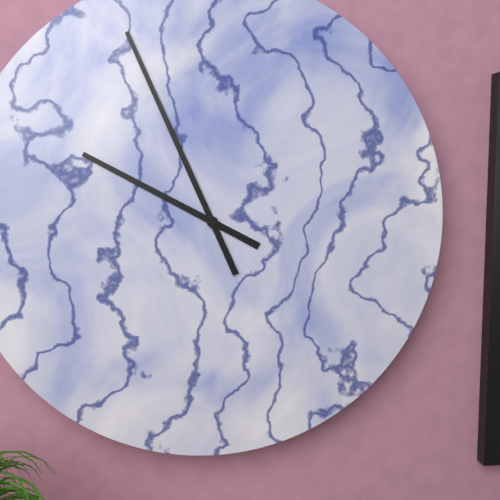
9h56
